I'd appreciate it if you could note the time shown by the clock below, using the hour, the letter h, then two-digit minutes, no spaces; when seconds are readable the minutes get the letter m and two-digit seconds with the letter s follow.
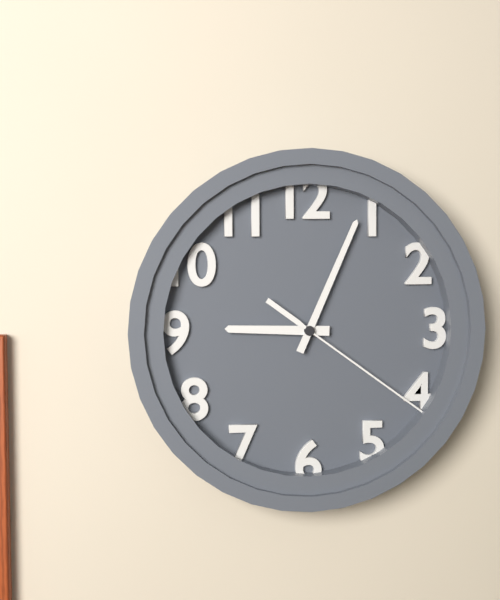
9h04m21s
